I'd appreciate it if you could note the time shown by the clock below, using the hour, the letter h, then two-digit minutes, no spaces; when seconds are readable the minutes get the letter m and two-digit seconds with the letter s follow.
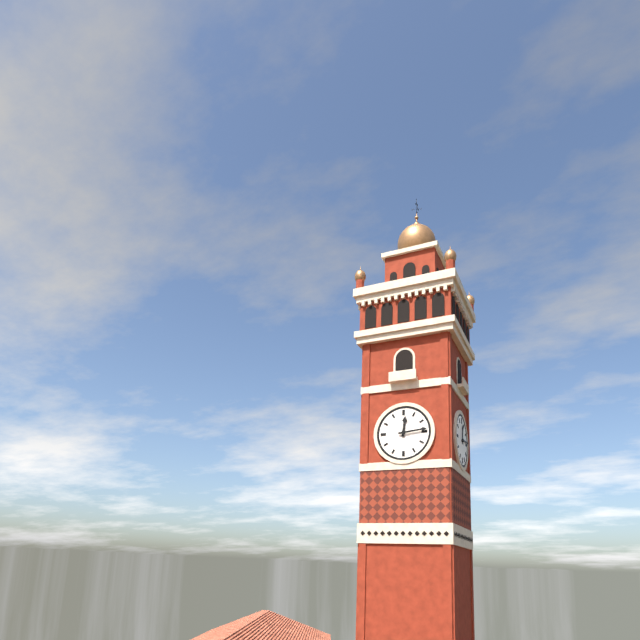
12h14
